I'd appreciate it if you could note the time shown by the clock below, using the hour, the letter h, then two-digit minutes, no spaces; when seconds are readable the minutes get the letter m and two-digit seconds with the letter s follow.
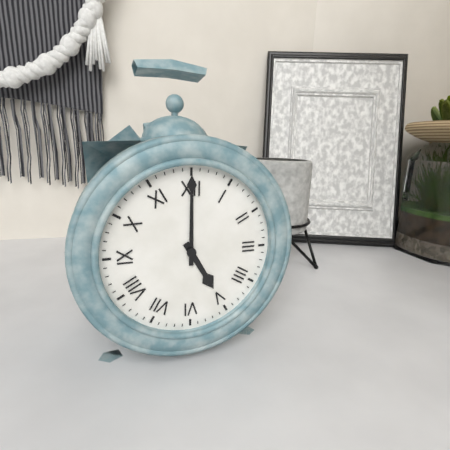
5h00
